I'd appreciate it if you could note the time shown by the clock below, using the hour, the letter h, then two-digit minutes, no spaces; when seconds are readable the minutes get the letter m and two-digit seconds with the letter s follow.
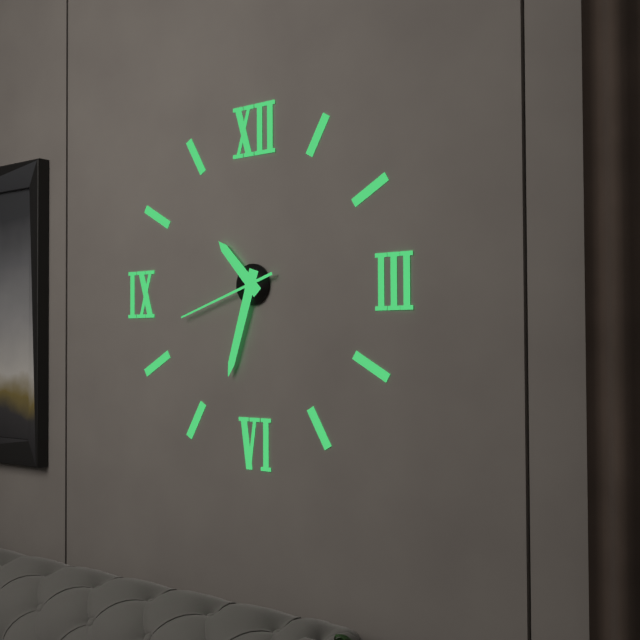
10h33m42s
